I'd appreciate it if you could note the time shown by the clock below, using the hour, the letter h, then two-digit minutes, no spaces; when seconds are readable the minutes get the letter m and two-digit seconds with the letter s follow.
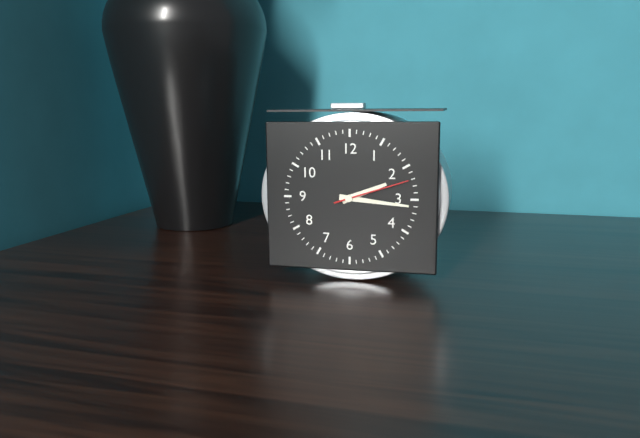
2h16m12s
